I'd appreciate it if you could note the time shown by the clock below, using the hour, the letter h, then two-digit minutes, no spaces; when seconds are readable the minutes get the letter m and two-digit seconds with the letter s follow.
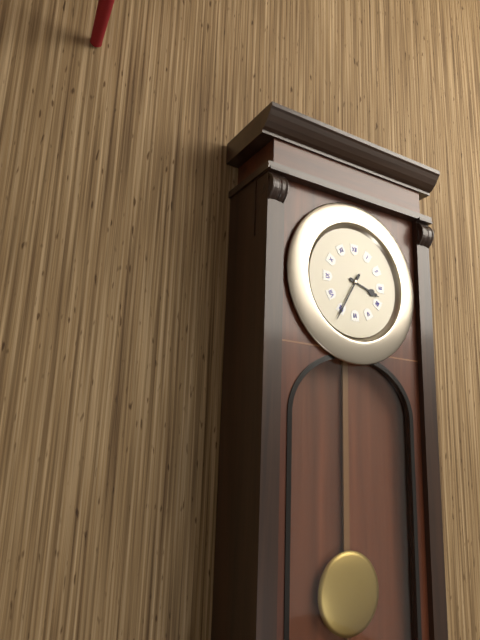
3h35
